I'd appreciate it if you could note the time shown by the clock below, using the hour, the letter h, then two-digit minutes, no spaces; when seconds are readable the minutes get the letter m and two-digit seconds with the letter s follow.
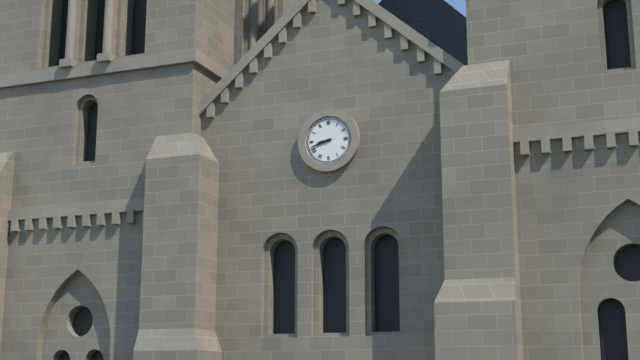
8h42
